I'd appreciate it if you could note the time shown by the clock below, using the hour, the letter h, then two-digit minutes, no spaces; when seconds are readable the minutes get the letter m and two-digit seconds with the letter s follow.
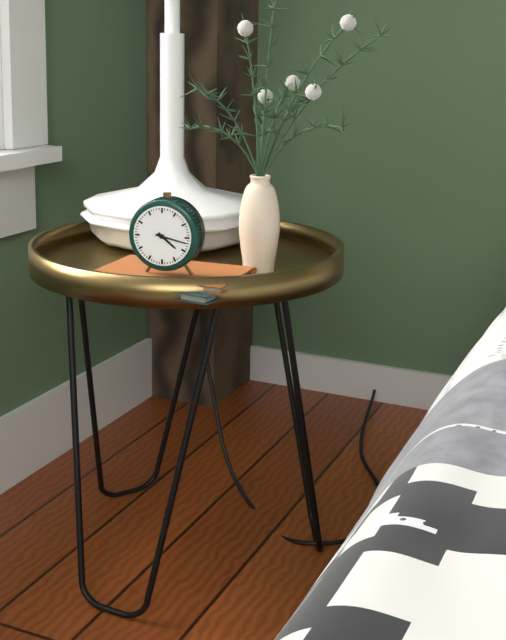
4h17
